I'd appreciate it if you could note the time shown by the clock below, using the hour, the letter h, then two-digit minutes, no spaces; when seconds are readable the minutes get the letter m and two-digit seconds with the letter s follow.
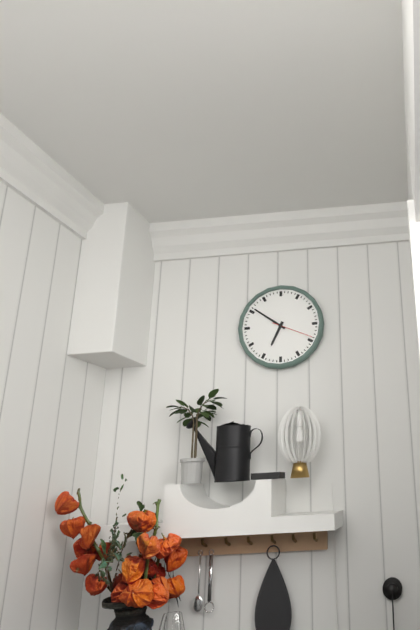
6h51
